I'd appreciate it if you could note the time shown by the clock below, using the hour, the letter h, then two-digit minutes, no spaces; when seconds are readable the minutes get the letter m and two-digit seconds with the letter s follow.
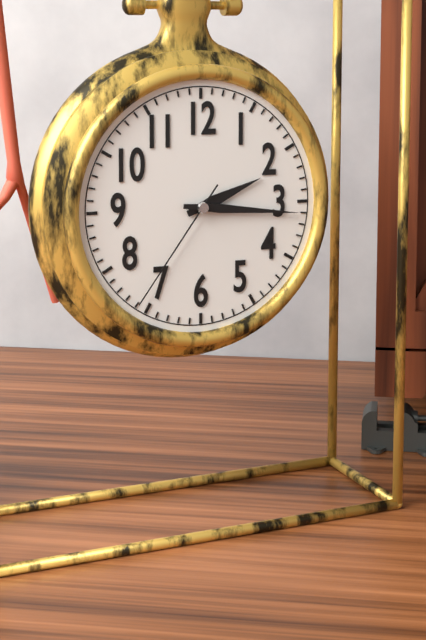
2h16m36s
